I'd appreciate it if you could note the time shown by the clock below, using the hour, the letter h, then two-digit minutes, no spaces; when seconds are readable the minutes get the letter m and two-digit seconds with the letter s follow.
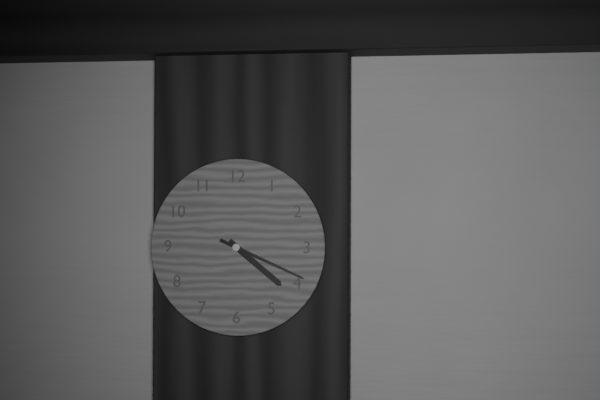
4h19
